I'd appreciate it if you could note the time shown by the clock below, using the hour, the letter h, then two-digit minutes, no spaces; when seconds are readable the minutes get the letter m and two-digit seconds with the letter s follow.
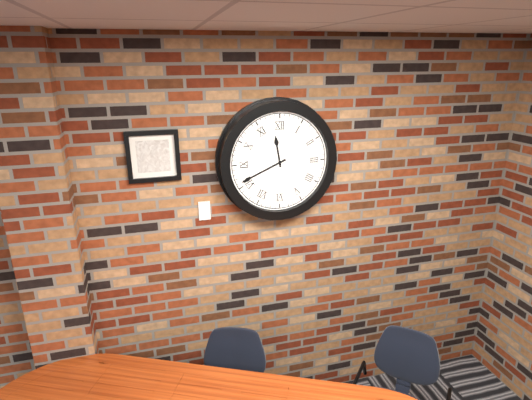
11h41
